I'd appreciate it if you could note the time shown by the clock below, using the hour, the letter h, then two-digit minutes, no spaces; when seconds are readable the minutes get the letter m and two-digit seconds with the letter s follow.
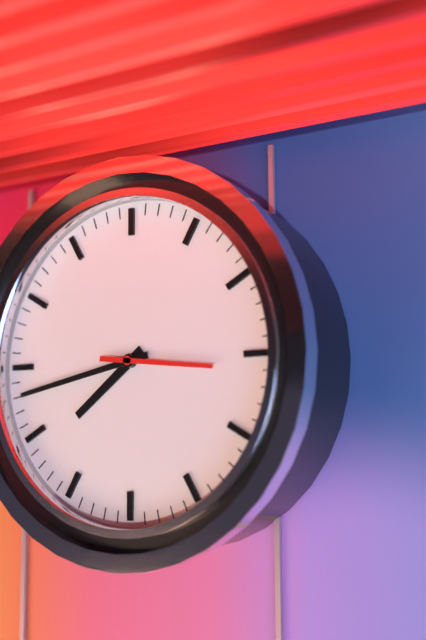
7h43m16s
